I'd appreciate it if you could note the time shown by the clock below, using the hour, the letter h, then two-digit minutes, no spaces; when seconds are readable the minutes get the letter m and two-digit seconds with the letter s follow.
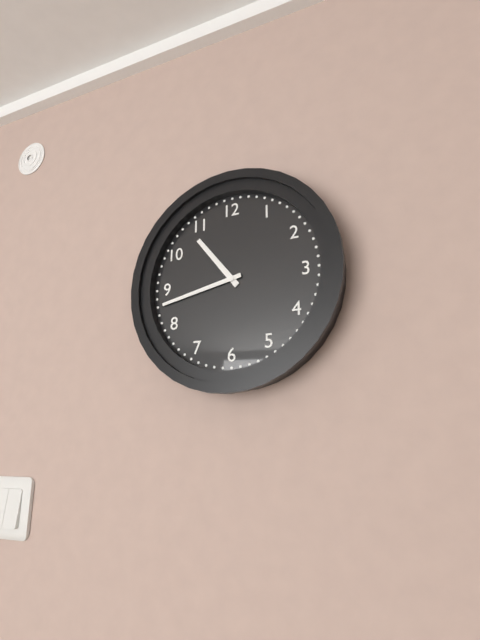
10h43
